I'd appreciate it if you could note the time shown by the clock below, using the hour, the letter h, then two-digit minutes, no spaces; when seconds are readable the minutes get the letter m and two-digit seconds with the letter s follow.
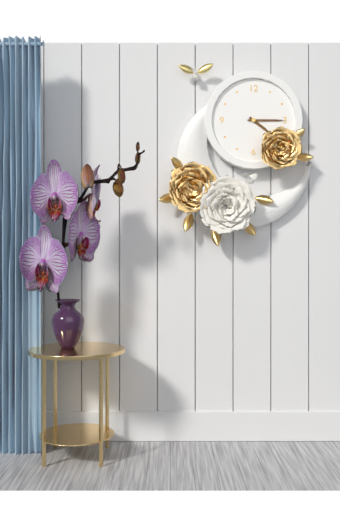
4h15
